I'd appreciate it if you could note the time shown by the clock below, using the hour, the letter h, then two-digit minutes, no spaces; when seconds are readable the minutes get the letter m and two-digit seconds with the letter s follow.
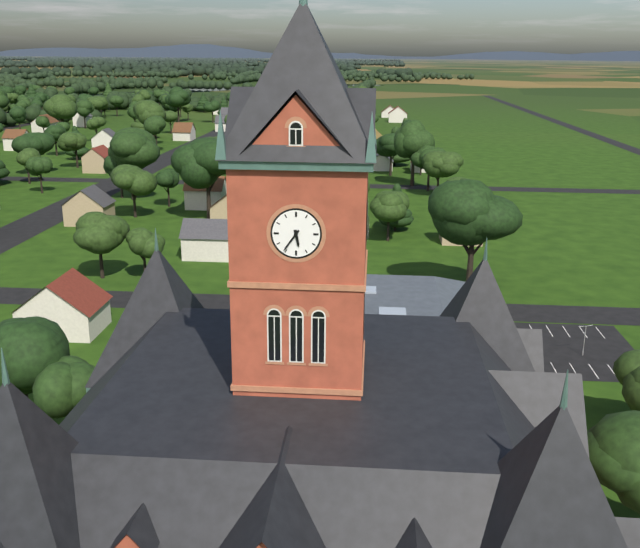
5h36
